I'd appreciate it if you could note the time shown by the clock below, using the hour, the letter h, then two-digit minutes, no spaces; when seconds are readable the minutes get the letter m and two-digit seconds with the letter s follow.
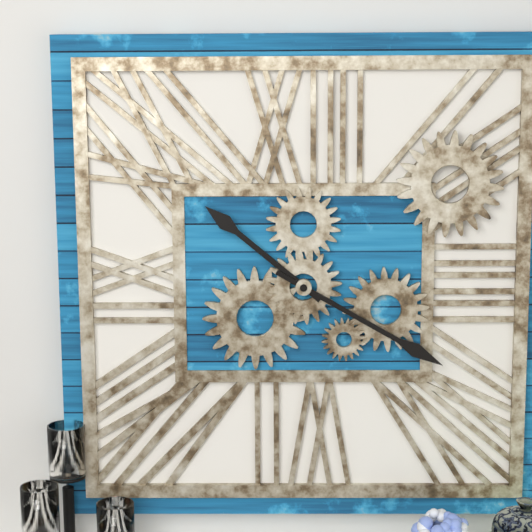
10h20
